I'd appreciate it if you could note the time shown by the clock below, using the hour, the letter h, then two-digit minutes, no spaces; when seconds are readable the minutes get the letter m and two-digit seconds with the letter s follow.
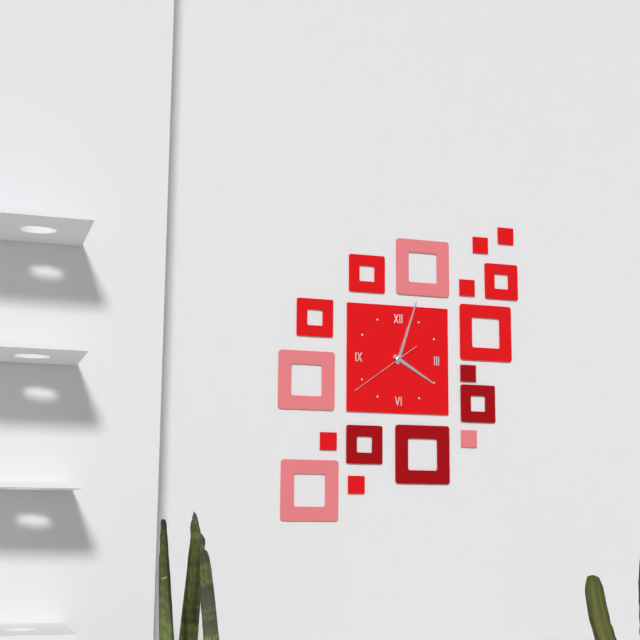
4h03m39s
